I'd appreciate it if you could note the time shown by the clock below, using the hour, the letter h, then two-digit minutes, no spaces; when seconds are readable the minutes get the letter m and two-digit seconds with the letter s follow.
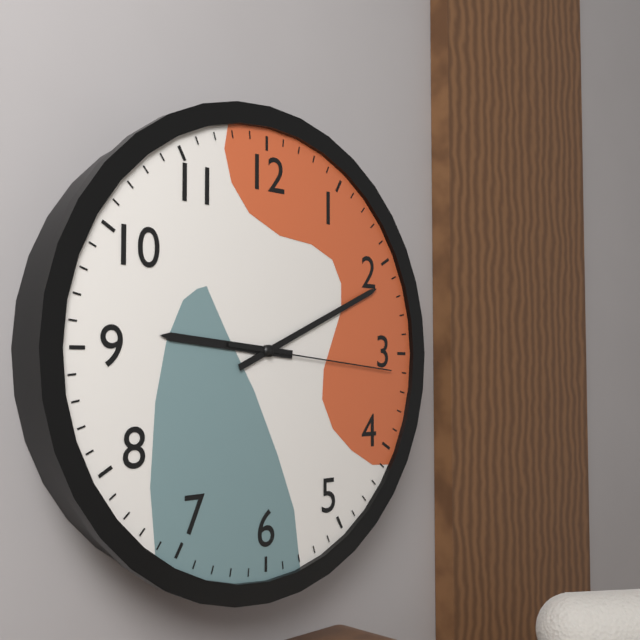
9h11m16s
